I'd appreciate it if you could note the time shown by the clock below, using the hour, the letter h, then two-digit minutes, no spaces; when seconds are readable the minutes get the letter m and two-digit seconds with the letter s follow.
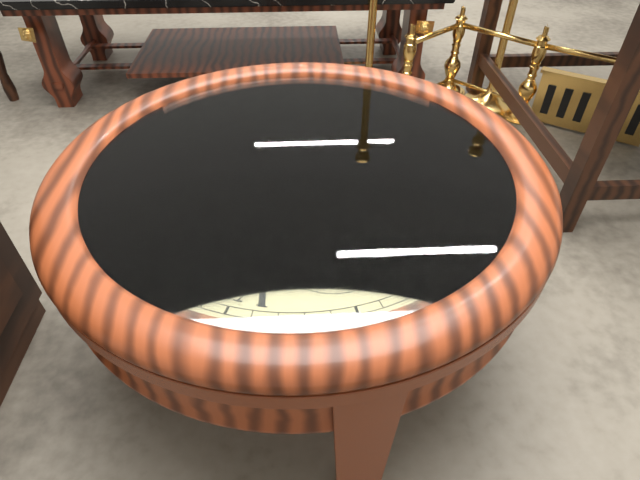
7h56
